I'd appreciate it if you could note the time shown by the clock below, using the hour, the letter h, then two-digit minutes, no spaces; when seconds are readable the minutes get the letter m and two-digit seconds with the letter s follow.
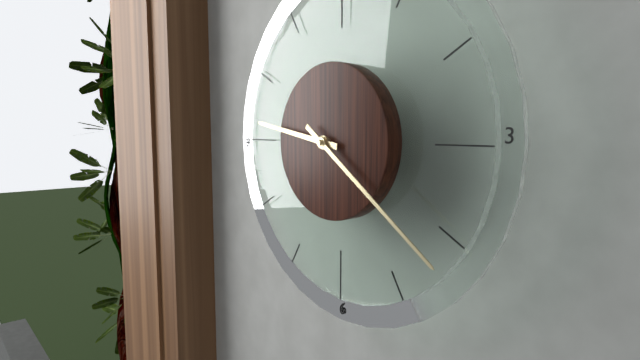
9h21
